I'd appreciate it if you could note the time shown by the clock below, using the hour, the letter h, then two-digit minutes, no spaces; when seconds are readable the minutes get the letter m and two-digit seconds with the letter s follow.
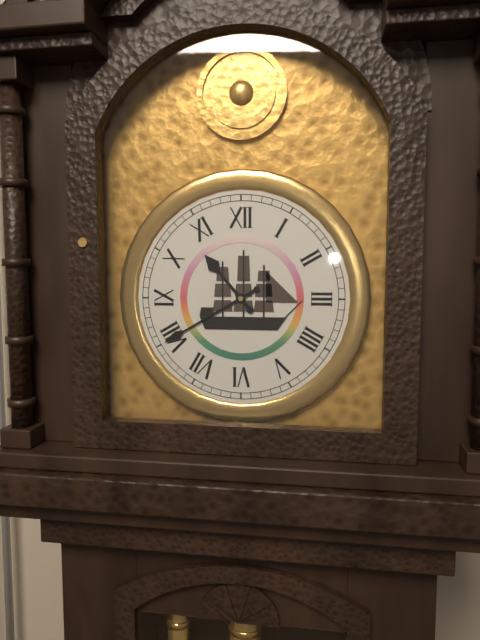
10h40
